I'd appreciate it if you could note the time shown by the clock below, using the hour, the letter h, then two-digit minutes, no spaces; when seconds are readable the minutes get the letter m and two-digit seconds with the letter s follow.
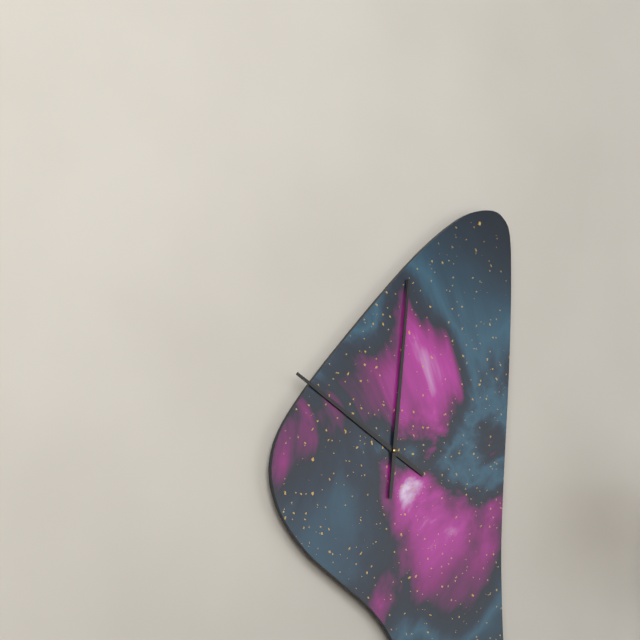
10h01
